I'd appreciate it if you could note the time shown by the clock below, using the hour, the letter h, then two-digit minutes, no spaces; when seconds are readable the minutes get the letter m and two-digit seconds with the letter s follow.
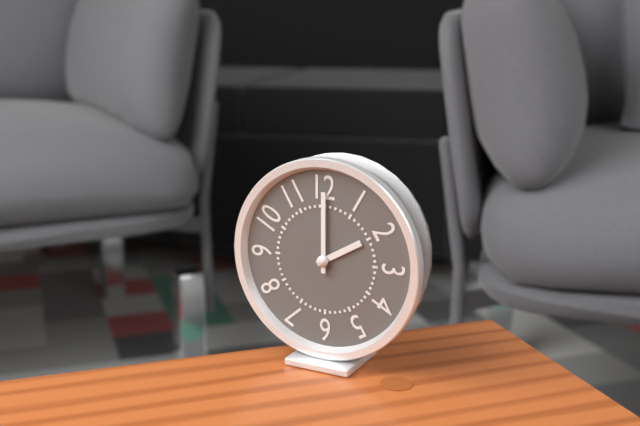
2h00
